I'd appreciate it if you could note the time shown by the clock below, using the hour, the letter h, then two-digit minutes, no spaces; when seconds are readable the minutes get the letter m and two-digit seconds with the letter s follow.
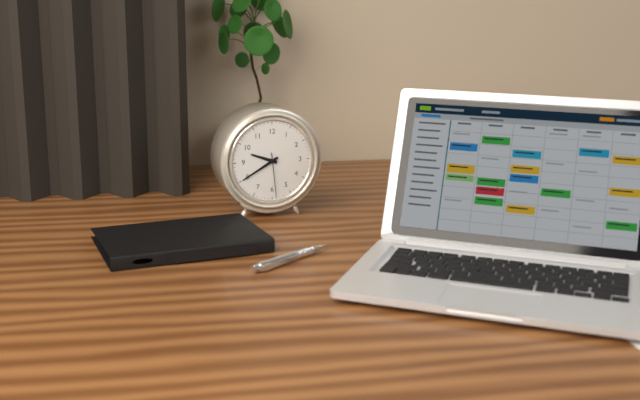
9h40
